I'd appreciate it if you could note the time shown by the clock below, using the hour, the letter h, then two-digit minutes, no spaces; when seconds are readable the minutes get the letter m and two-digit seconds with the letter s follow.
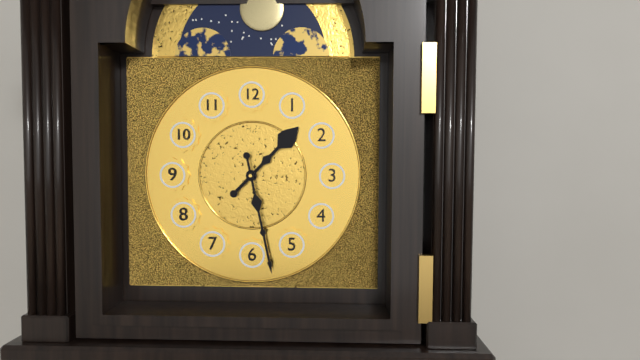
1h28
